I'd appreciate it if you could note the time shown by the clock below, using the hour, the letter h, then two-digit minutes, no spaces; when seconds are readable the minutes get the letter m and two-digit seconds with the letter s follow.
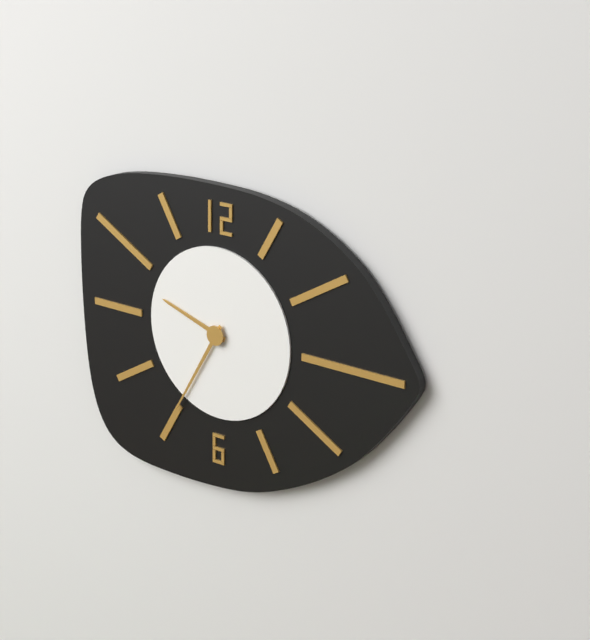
9h35
